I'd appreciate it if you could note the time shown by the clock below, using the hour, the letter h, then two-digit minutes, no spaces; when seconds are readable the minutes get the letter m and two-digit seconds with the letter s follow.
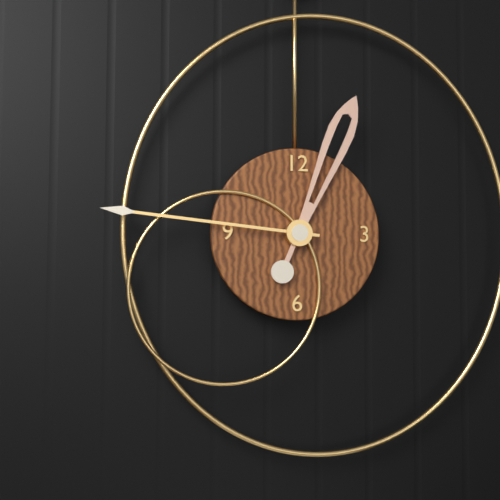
12h46
